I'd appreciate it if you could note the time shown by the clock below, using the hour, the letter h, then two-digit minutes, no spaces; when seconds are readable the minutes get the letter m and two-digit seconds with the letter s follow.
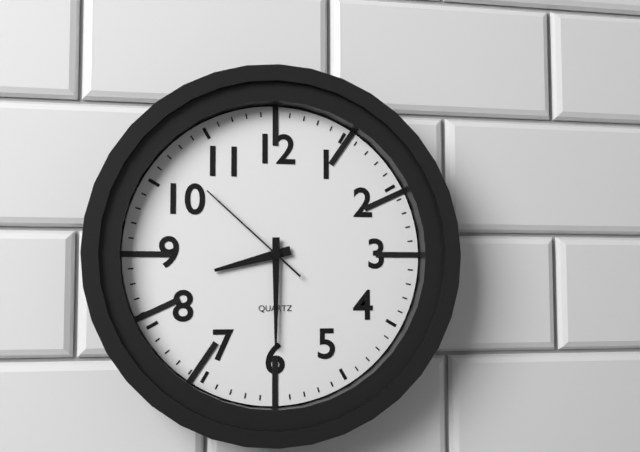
8h30m52s
